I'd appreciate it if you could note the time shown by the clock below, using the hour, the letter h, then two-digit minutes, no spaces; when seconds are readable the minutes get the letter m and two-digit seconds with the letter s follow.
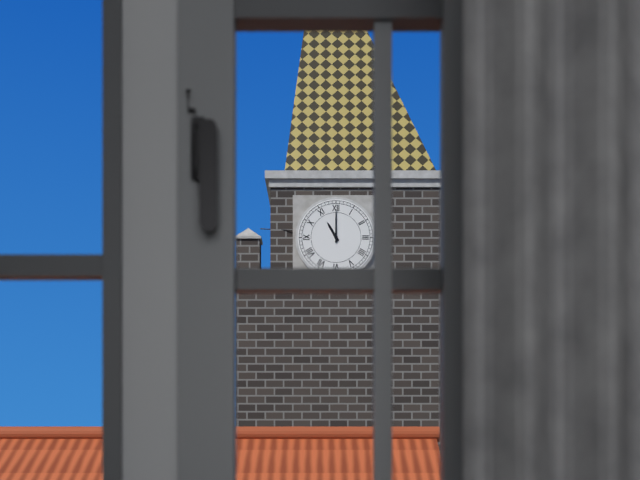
11h00
